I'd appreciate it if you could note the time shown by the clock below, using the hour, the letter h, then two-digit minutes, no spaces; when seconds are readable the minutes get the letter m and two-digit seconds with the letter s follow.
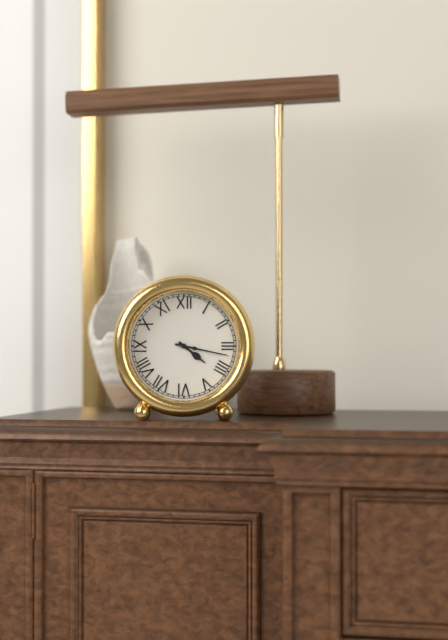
4h17
